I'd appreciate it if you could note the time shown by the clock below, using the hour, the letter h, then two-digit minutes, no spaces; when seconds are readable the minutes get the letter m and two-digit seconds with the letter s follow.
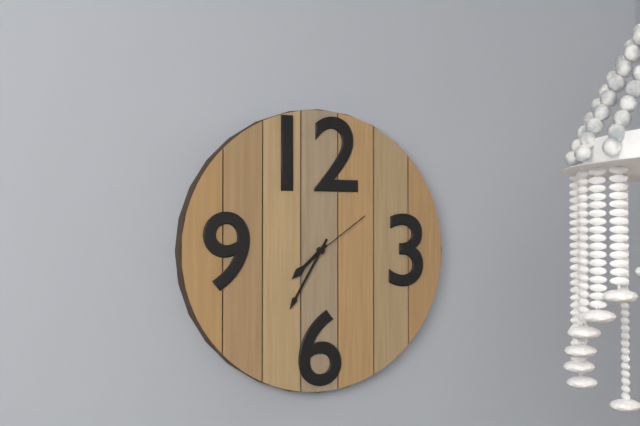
7h35m09s
